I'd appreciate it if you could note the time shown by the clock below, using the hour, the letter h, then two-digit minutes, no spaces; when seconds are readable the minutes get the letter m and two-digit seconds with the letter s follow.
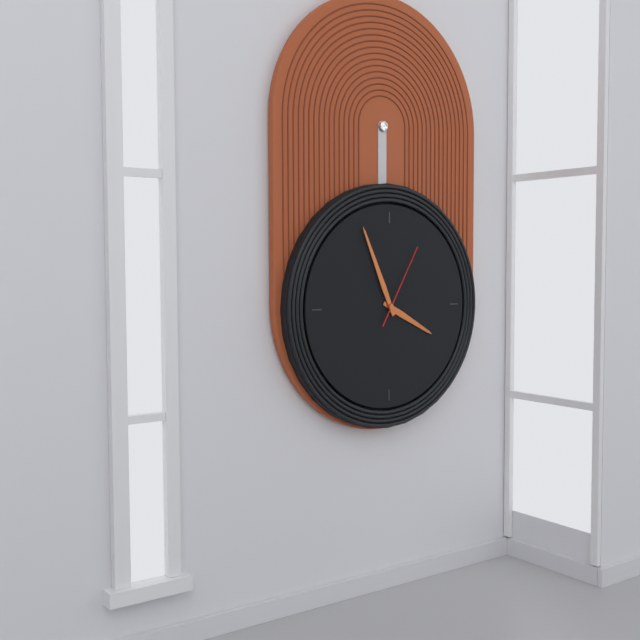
3h56m05s
